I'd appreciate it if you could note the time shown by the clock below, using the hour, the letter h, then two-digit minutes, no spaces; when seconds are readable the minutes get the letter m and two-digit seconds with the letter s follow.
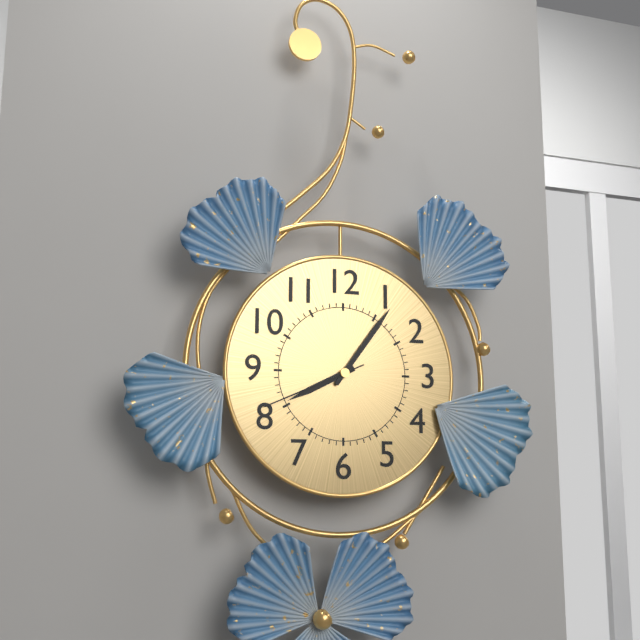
8h06m41s
